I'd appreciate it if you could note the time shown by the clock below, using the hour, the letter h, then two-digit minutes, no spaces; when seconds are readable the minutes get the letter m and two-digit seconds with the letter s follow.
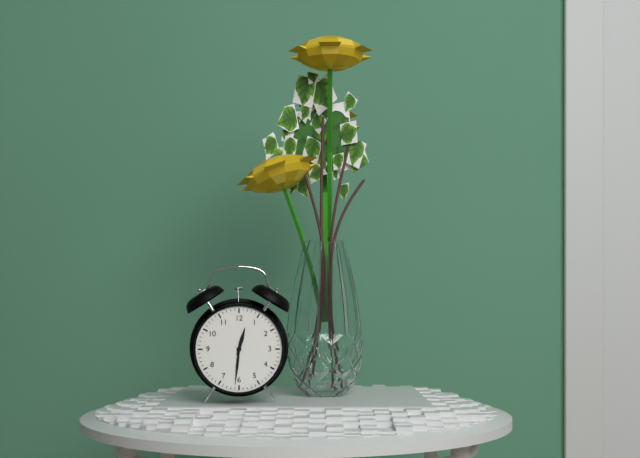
12h31
